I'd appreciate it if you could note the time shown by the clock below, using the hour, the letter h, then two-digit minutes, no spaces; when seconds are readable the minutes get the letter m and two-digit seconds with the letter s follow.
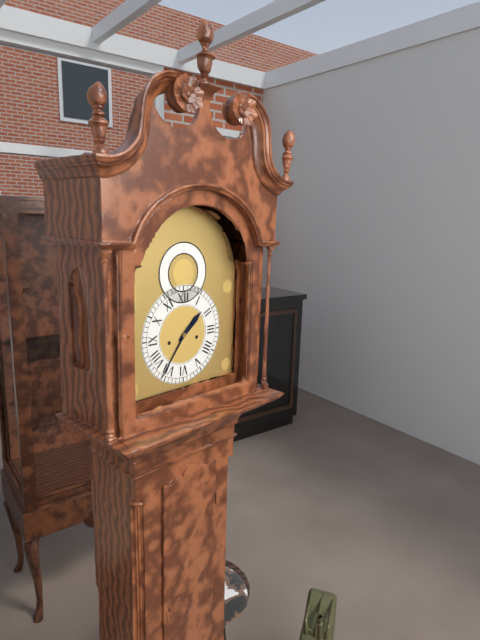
1h36
